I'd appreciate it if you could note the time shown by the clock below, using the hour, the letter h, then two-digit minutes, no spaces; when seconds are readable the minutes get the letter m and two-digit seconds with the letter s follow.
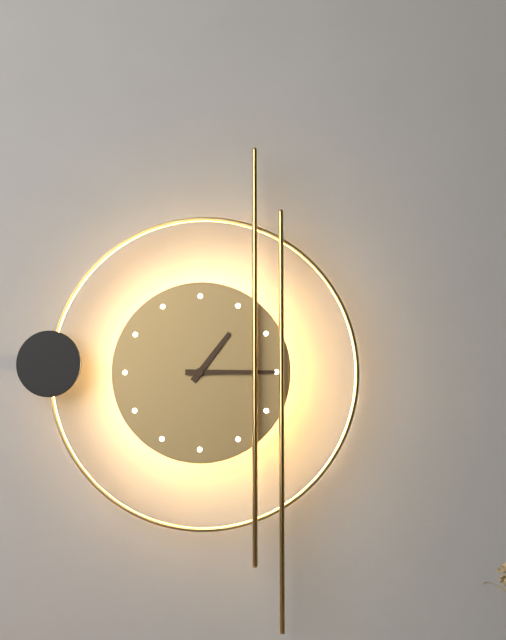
1h15
